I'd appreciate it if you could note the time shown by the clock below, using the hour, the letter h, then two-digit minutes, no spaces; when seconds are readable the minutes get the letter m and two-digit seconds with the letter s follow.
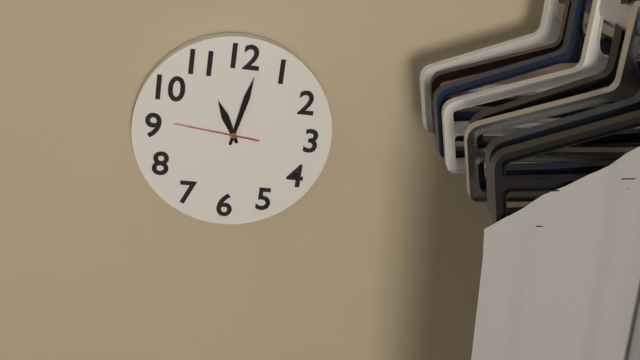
11h02m46s
